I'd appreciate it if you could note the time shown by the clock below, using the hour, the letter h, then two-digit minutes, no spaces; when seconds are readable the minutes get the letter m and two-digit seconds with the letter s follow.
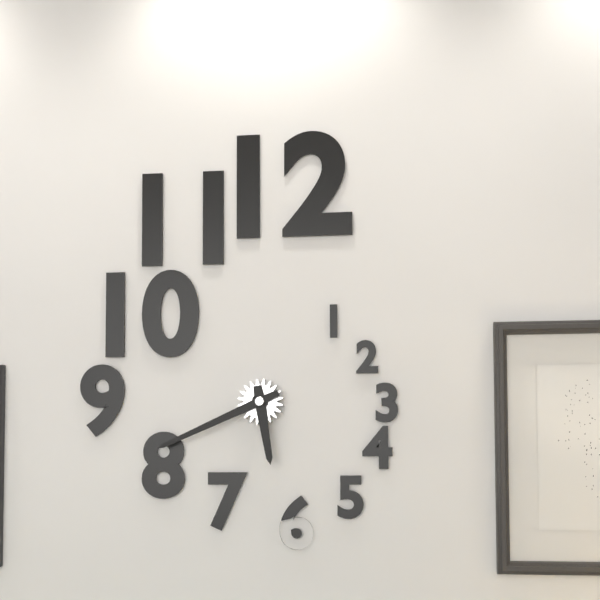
5h41
